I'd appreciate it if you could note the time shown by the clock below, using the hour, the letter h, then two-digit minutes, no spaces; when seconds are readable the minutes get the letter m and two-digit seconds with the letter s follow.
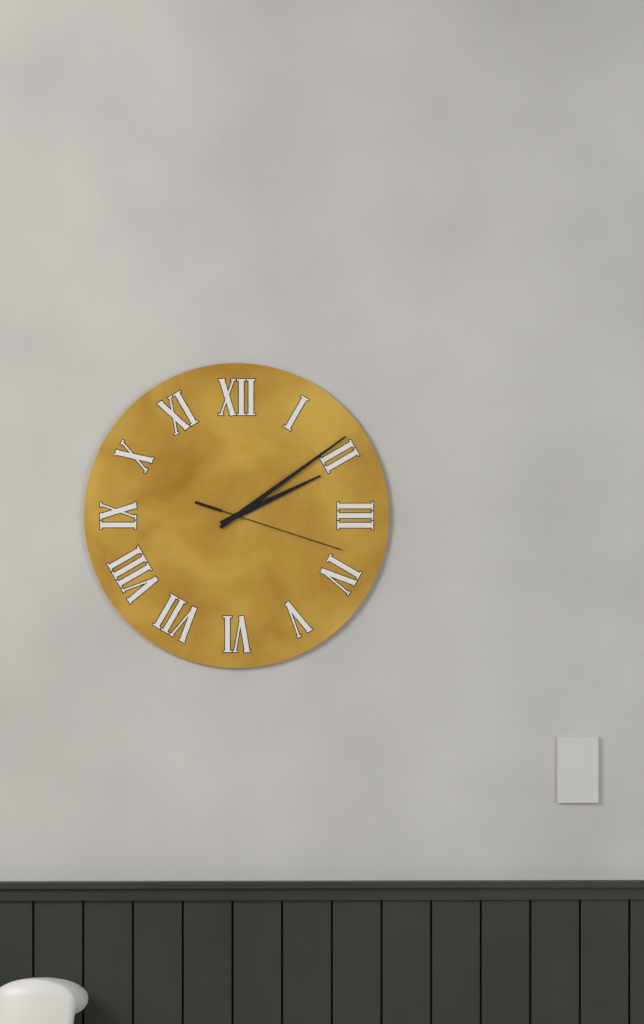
2h09m18s
